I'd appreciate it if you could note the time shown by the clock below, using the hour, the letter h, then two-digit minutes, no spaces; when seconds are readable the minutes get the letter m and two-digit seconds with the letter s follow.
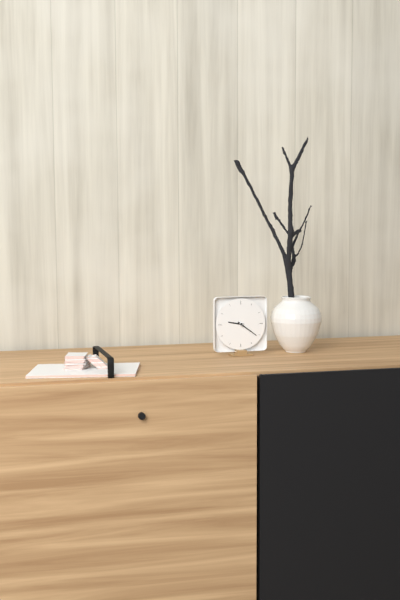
9h21
